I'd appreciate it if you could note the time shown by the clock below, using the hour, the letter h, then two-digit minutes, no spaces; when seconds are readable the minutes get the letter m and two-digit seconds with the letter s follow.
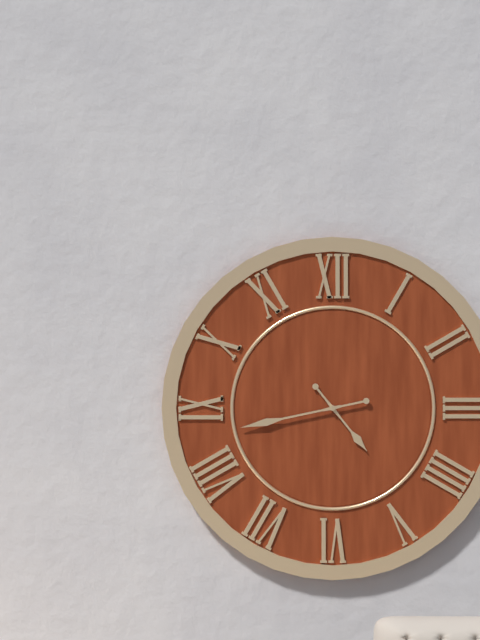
4h43
